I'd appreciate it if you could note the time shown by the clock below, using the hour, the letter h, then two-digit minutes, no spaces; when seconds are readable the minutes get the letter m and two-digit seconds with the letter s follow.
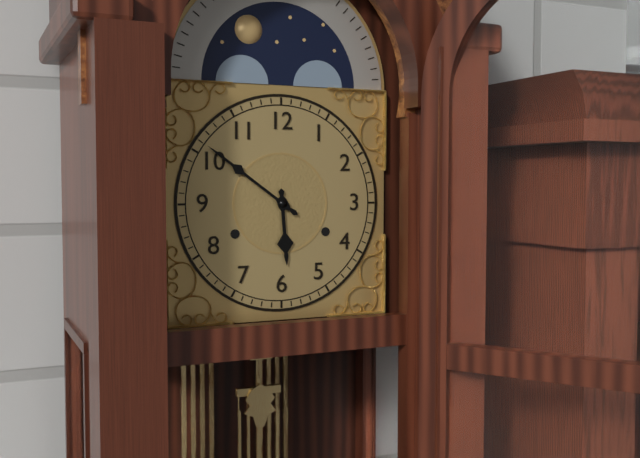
5h51
